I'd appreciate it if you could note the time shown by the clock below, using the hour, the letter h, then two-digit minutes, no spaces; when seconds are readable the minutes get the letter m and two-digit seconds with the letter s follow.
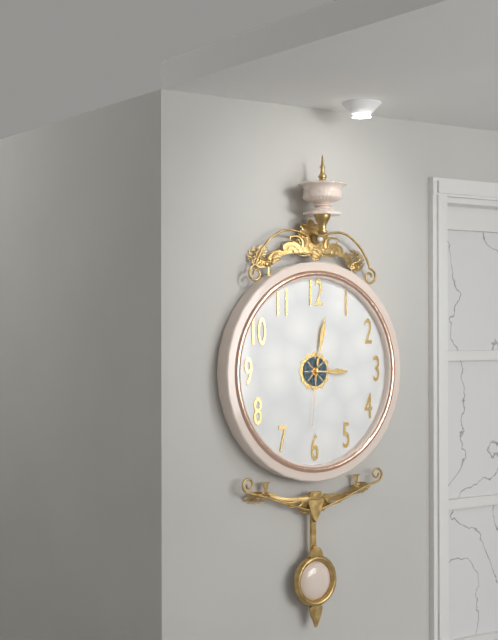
3h02m31s
